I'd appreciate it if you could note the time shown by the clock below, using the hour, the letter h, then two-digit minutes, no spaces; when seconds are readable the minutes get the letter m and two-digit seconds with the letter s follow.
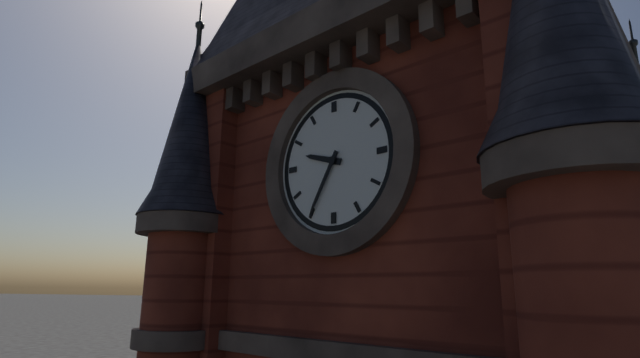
9h35
